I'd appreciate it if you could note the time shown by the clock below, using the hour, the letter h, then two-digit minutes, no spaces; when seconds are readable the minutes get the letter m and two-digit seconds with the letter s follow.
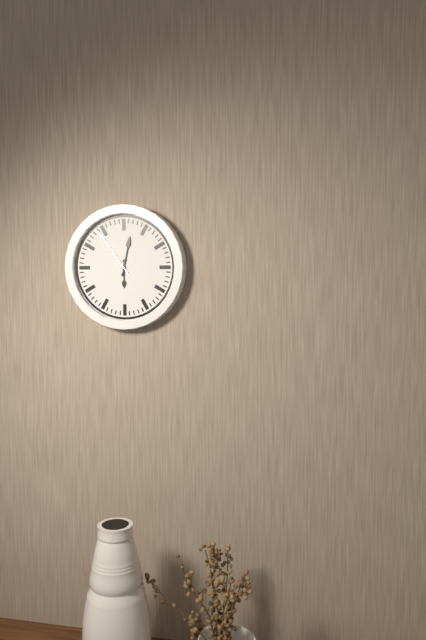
6h02m54s
